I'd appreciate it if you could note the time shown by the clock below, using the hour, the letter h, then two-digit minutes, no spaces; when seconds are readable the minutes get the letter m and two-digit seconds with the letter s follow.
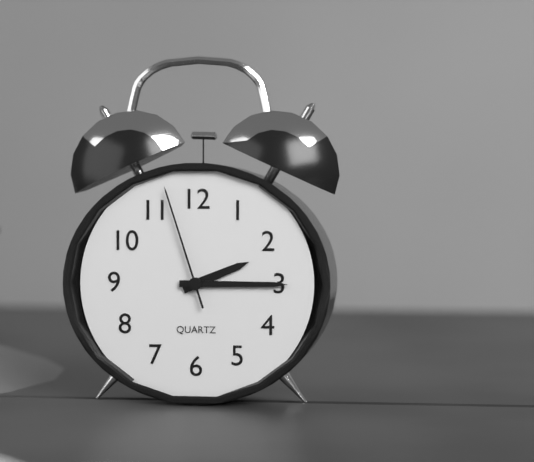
2h15m57s
